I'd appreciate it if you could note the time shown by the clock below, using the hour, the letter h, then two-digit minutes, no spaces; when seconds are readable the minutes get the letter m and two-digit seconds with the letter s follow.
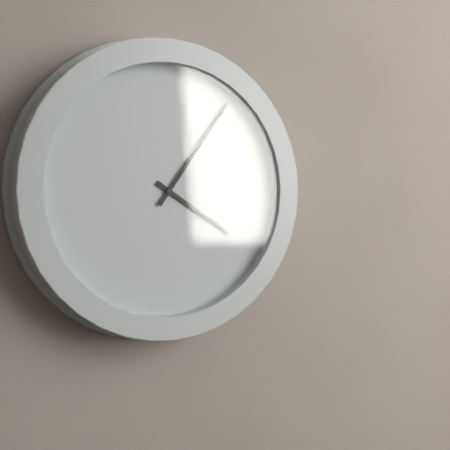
4h06
